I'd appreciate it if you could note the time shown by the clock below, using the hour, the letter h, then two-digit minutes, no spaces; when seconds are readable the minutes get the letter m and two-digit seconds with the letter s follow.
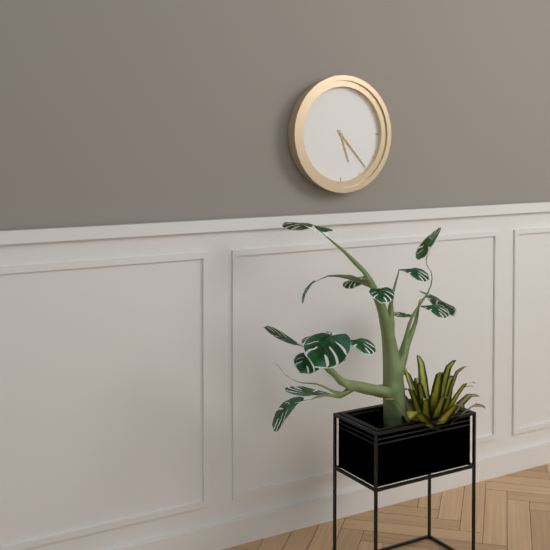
5h23
